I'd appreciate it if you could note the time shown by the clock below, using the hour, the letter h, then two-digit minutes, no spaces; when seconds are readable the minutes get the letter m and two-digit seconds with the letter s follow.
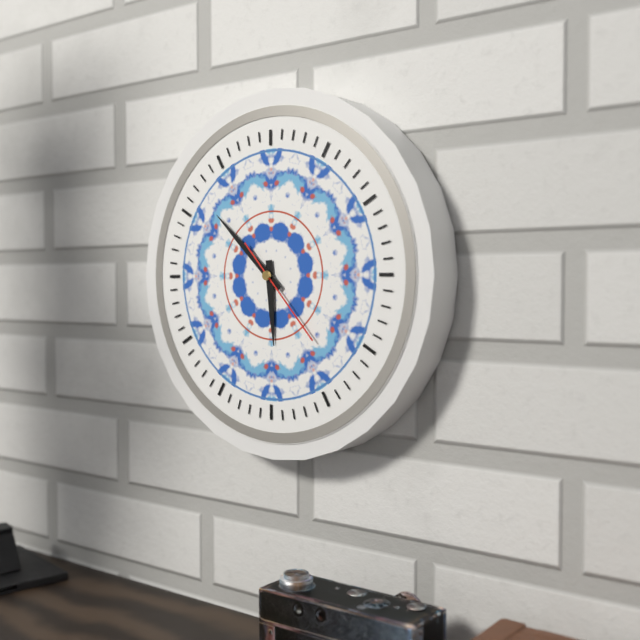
5h52m23s
